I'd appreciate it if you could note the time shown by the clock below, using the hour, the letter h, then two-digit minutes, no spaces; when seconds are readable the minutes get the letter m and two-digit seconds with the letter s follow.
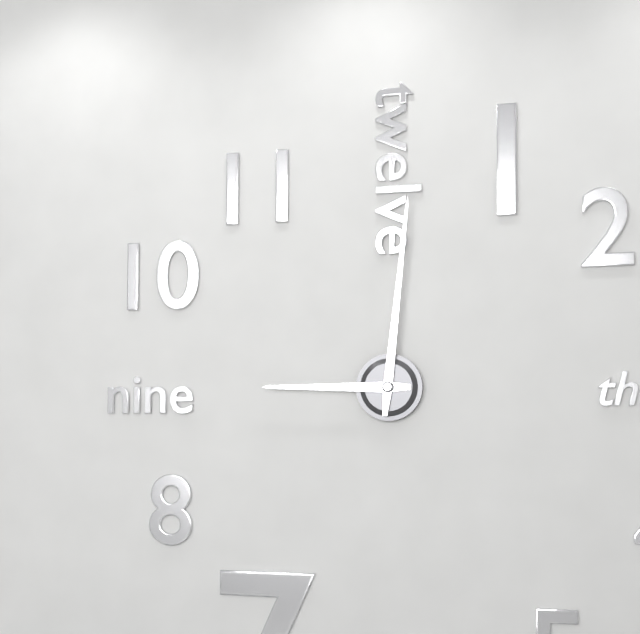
9h01
